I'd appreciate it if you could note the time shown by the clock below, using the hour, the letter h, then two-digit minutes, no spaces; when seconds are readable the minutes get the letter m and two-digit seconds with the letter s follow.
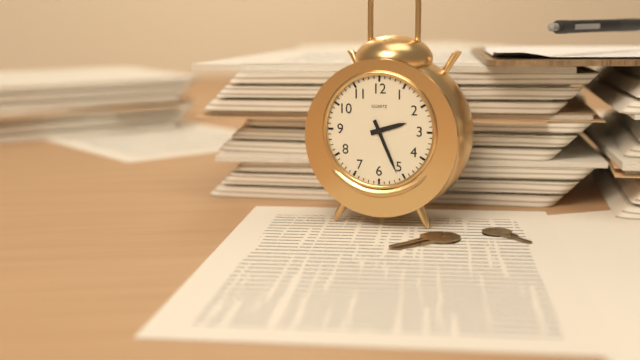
2h26
